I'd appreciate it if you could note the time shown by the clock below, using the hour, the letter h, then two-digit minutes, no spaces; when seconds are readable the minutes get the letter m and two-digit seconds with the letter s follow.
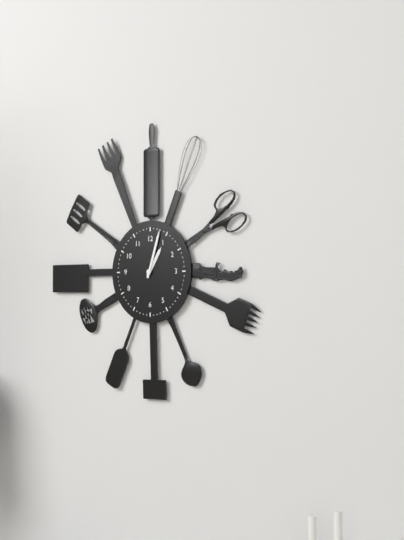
1h03
